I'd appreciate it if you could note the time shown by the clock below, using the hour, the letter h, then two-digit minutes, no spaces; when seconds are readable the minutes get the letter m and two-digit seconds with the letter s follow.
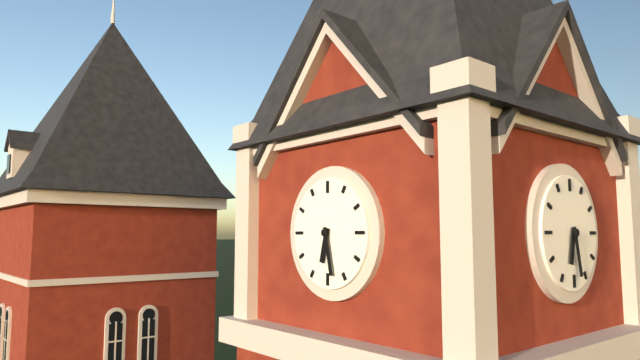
6h28
